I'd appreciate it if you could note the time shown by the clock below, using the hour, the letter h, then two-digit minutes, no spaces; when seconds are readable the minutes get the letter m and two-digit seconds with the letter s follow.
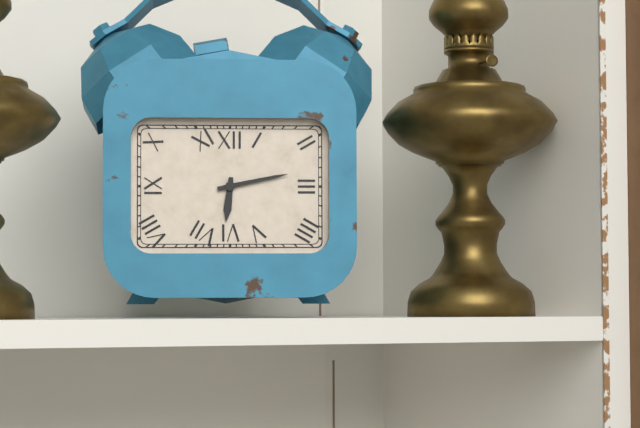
6h13
